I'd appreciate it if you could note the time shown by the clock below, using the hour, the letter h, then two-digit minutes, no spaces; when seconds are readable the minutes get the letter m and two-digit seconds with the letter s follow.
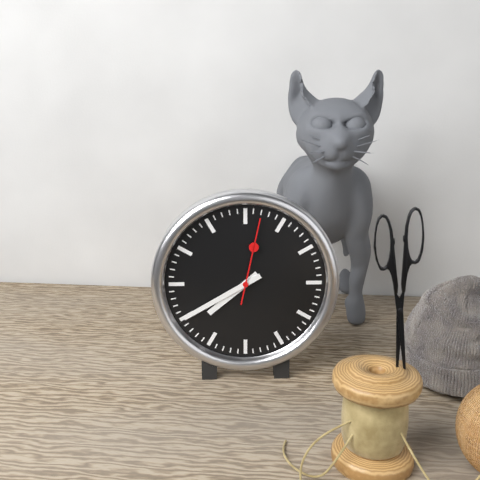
7h40m02s
